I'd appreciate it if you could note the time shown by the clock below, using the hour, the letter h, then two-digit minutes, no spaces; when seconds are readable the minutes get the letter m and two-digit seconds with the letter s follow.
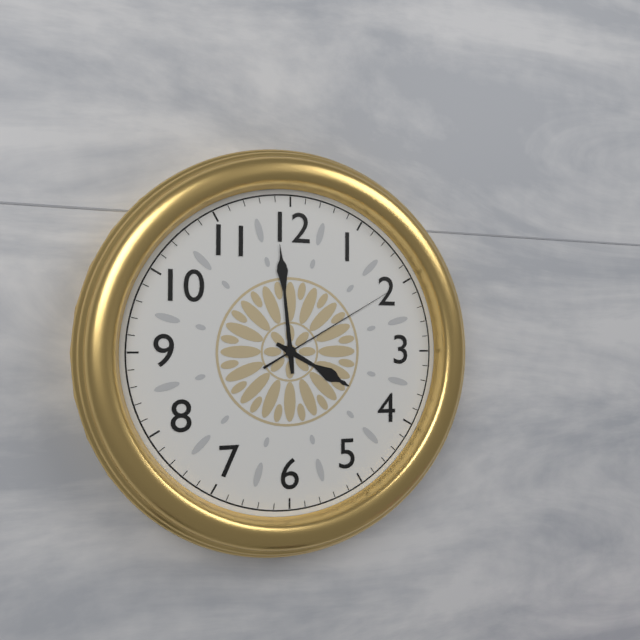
3h59m10s
